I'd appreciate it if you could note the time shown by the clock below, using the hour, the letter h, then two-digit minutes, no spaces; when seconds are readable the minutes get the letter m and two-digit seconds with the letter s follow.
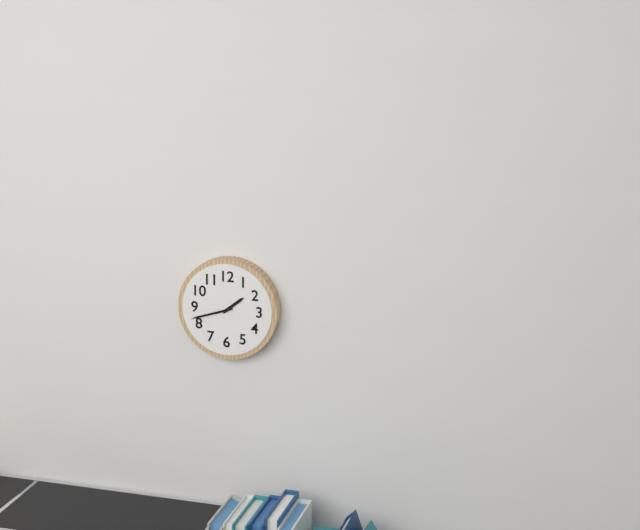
1h42
